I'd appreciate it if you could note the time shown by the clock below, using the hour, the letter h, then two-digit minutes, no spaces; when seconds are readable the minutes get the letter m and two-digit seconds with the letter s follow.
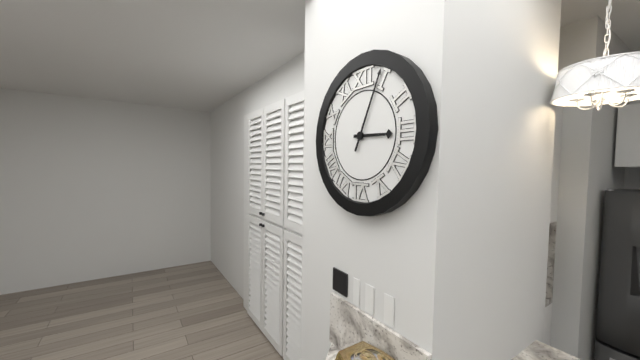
3h04
